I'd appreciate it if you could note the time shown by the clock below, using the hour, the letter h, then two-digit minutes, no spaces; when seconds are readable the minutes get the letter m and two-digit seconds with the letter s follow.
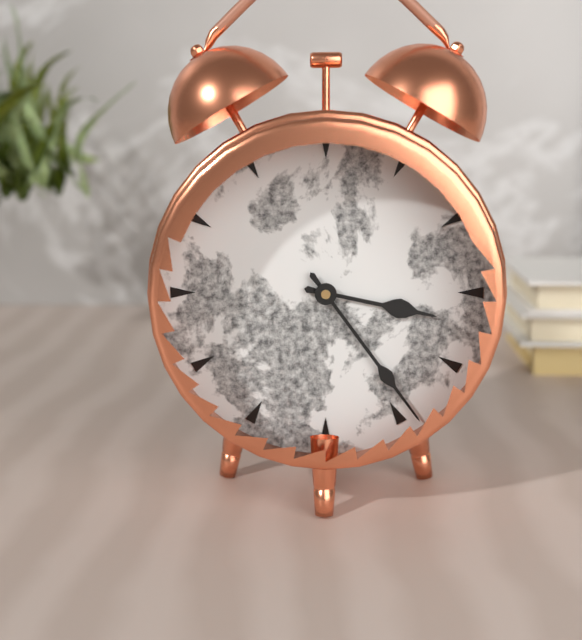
3h24
